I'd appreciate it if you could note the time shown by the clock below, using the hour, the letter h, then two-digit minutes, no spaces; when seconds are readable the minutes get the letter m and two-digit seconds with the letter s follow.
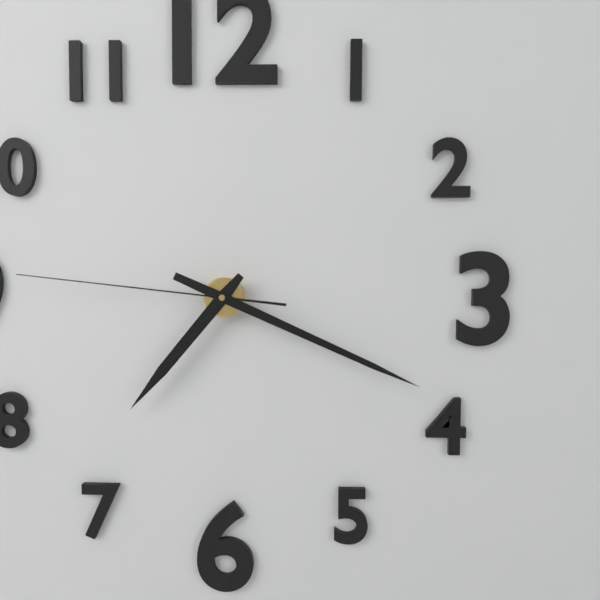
7h19m46s
